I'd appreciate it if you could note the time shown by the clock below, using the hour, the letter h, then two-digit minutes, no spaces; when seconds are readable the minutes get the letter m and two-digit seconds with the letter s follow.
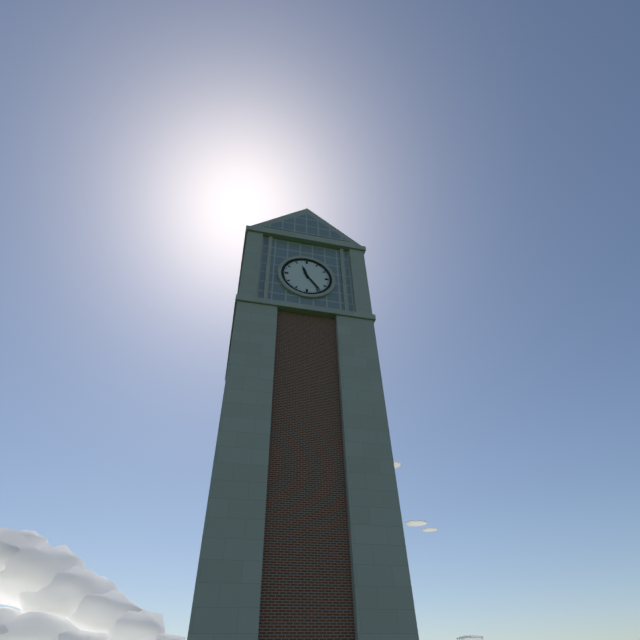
11h24
